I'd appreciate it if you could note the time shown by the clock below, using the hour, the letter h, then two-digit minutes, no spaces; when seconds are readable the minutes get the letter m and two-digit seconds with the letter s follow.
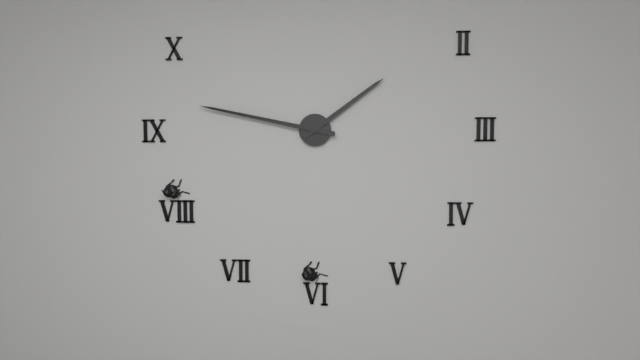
1h47
